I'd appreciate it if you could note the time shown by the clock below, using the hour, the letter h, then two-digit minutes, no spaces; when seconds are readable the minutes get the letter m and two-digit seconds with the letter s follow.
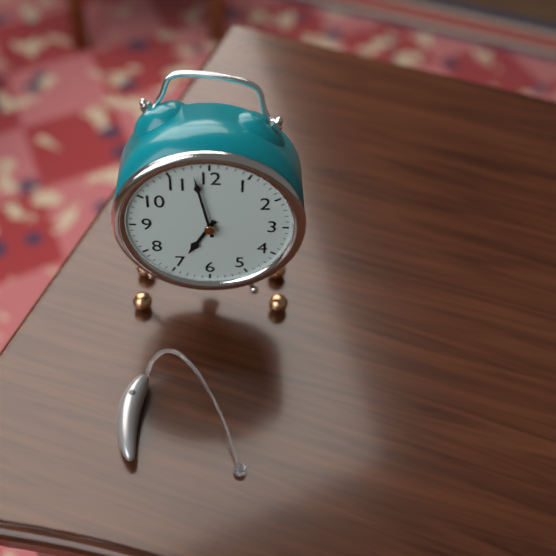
6h58
